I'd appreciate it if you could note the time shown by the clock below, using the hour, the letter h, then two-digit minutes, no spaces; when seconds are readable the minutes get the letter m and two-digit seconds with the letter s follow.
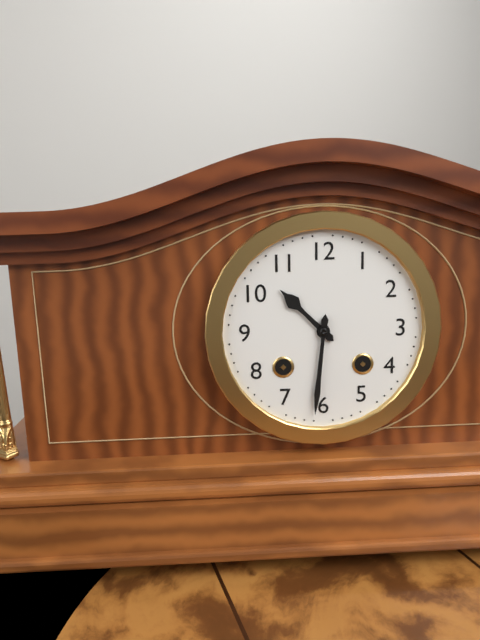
10h31
